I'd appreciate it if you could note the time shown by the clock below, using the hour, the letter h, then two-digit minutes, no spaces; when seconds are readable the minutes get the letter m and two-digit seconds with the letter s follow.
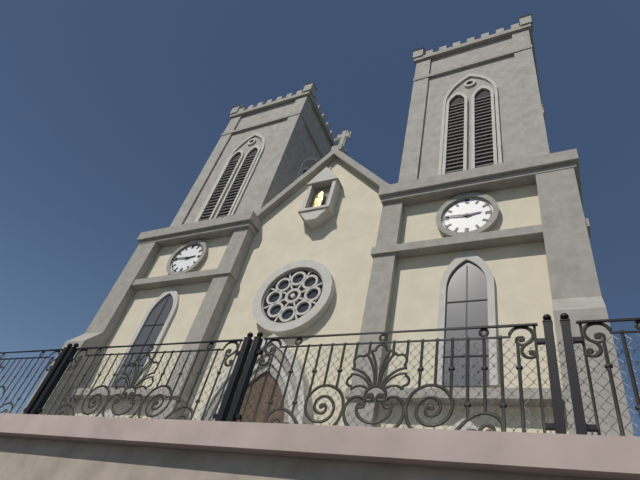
2h46
